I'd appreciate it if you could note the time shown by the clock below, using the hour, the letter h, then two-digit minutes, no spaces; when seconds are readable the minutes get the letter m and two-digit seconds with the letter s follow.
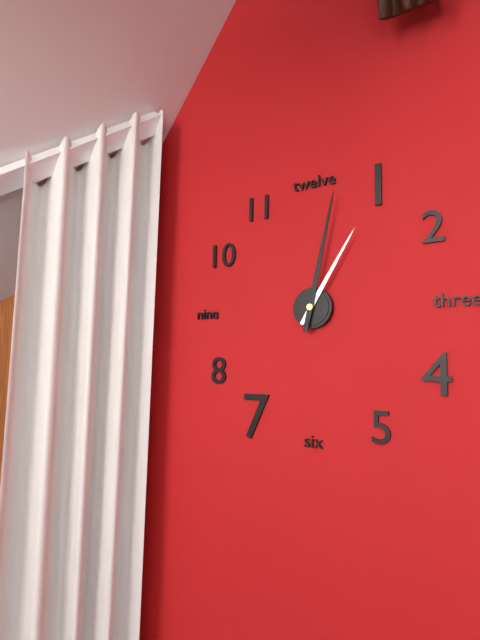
1h02
